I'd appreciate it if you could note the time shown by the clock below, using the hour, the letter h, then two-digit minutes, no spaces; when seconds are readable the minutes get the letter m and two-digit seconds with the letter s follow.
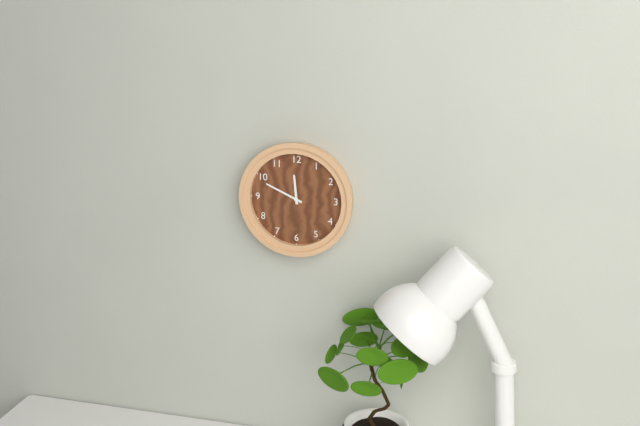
11h49
